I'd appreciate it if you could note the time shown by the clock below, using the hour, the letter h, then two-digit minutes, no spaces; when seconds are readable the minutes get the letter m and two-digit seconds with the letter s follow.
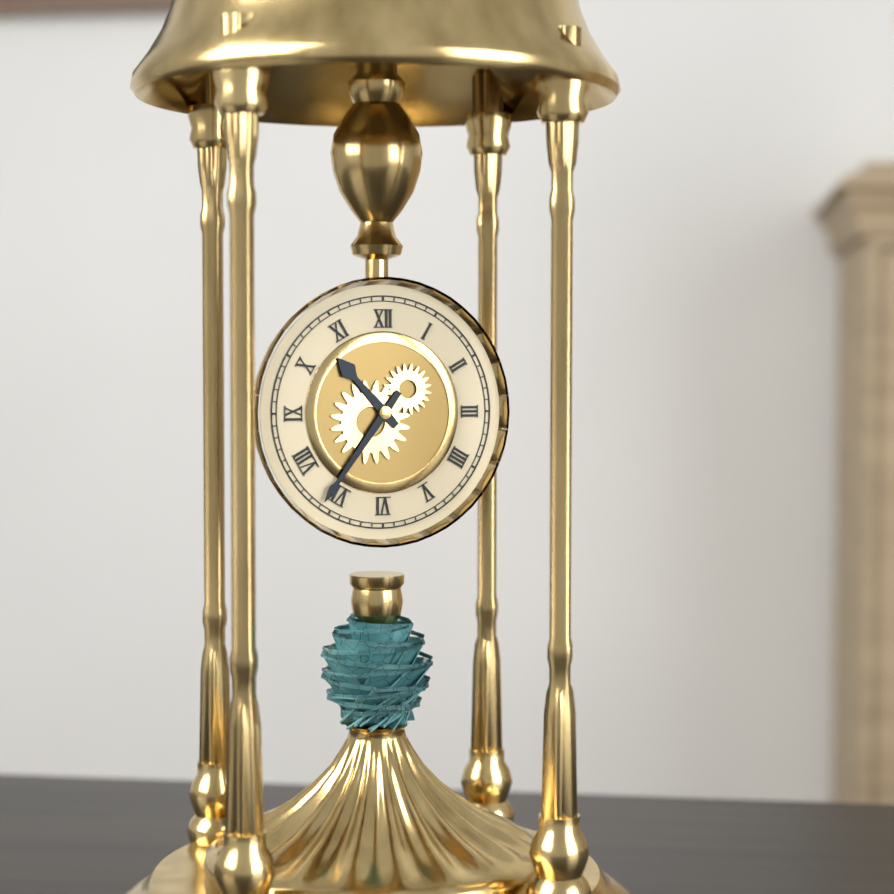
10h36
